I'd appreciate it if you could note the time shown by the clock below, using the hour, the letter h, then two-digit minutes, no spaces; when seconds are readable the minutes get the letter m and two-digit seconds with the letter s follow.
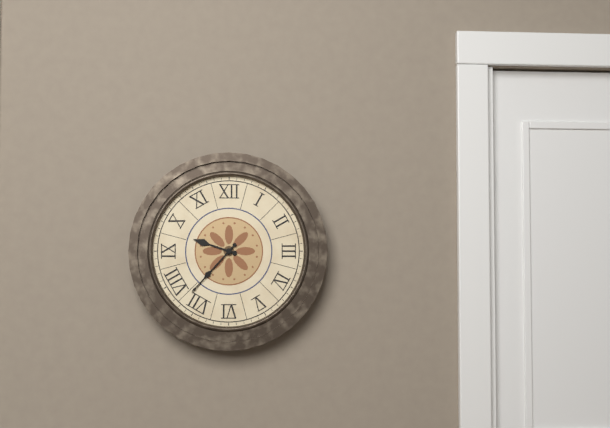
9h37
